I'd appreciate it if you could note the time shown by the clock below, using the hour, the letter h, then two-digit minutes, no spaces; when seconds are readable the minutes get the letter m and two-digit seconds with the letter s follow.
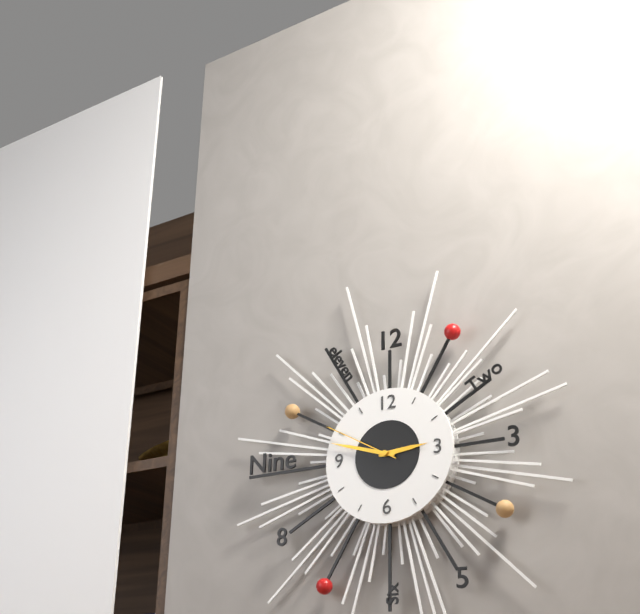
2h48m50s
